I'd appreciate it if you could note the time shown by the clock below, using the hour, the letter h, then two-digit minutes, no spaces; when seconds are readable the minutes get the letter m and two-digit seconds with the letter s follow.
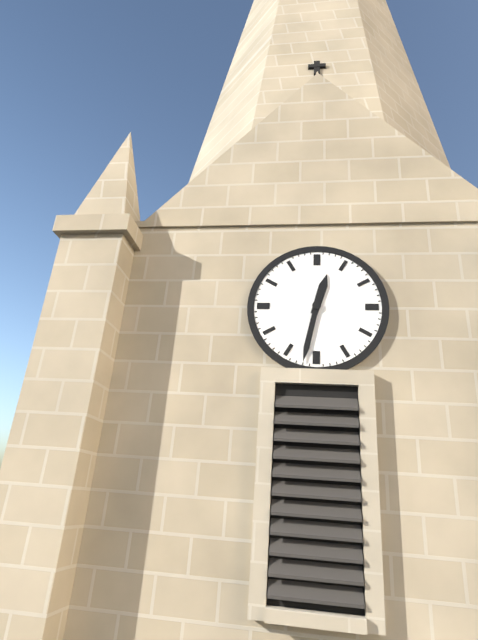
12h32
